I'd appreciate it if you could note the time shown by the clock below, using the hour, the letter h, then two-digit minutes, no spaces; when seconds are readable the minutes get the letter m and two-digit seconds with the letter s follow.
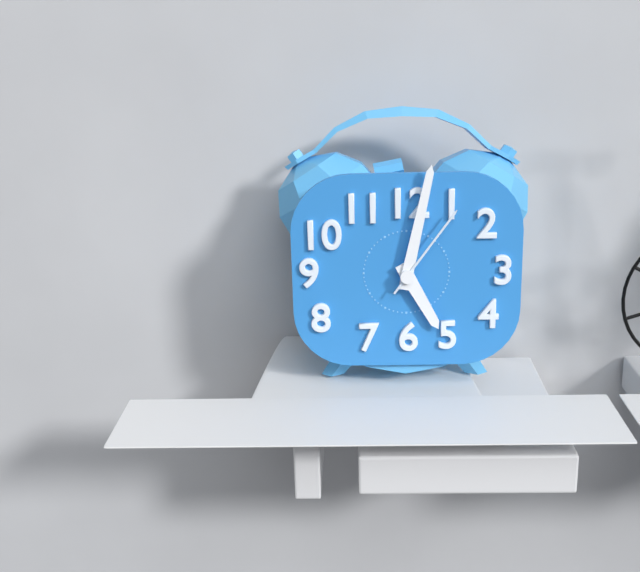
5h02m06s
